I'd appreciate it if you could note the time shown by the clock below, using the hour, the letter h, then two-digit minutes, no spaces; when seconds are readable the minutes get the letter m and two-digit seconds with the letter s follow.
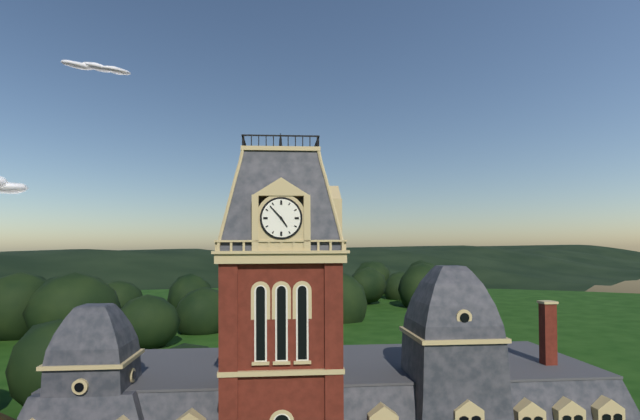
4h53
